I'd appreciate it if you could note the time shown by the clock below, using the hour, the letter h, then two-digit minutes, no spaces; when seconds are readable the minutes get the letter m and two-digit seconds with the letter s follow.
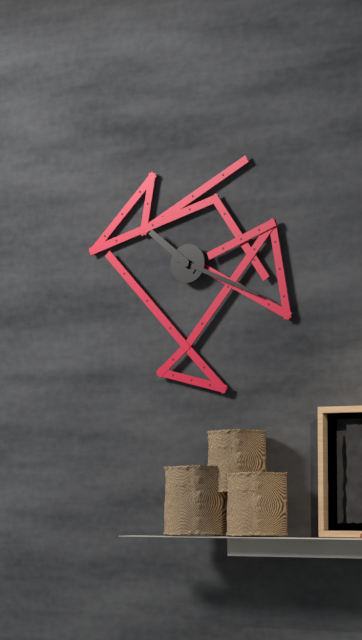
10h19
